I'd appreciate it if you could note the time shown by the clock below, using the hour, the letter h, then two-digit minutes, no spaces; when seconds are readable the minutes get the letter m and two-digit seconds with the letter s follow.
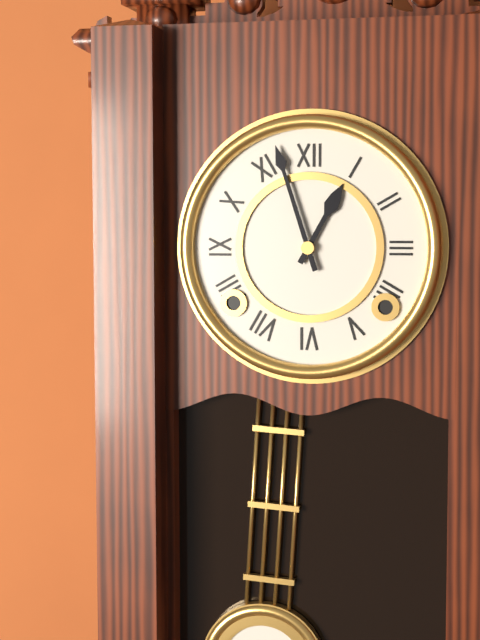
12h57
